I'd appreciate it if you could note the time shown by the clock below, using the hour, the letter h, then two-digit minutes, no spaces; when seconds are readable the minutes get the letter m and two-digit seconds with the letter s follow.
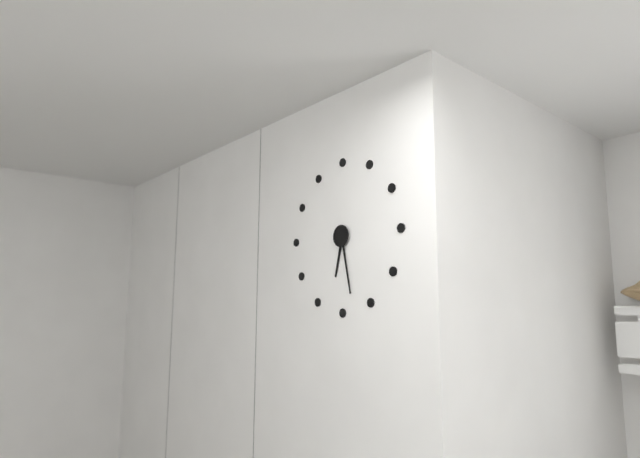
6h28
